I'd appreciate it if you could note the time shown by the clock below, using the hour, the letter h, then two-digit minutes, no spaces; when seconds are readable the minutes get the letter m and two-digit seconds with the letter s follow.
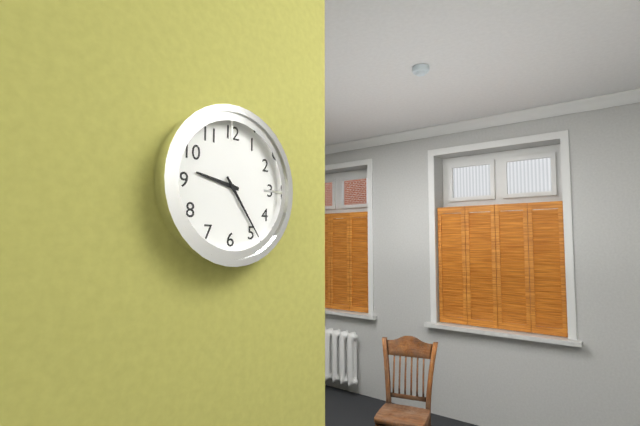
9h24
